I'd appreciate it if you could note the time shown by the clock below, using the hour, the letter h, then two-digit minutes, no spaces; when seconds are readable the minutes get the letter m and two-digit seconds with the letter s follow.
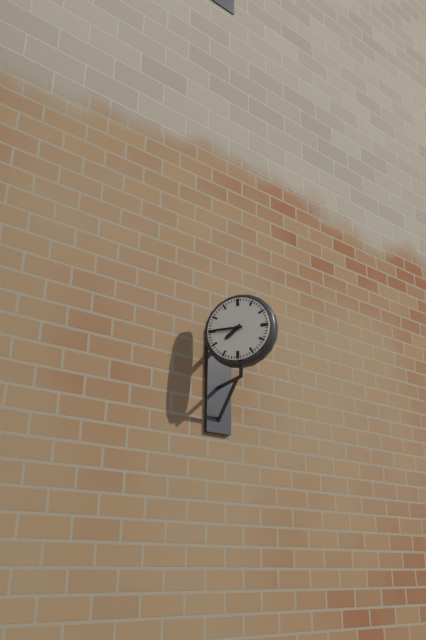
7h45
